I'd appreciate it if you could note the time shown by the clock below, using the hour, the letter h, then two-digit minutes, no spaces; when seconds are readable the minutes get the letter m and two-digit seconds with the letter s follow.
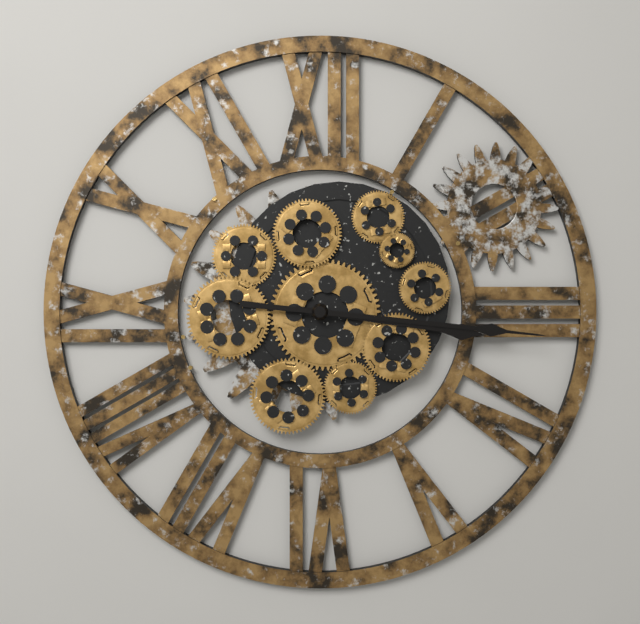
3h16
